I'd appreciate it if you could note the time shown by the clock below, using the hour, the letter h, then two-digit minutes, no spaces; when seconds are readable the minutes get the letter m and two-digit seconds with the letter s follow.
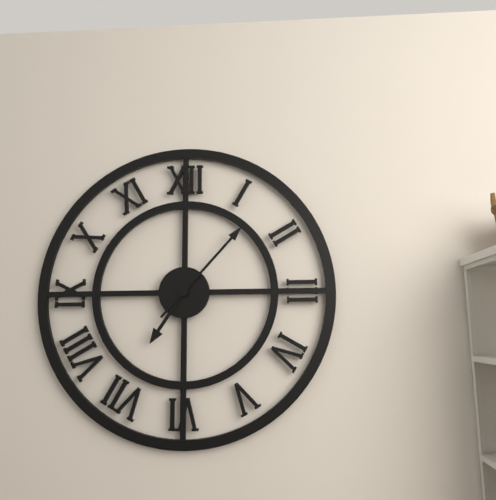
7h07
